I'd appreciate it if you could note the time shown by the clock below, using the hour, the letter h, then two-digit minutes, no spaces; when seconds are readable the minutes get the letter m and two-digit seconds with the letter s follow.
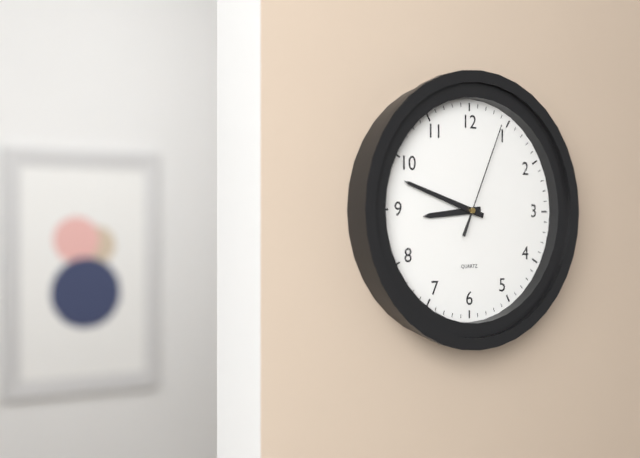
8h48m04s
